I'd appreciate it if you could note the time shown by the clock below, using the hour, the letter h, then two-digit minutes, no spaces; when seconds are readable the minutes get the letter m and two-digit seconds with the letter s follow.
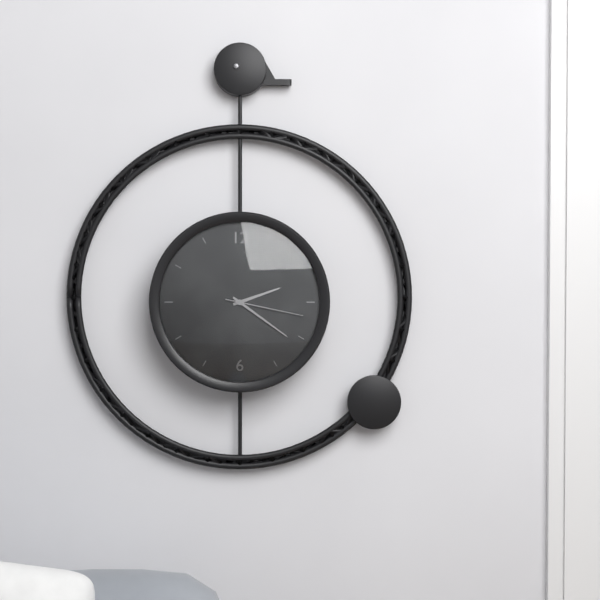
2h21m17s
